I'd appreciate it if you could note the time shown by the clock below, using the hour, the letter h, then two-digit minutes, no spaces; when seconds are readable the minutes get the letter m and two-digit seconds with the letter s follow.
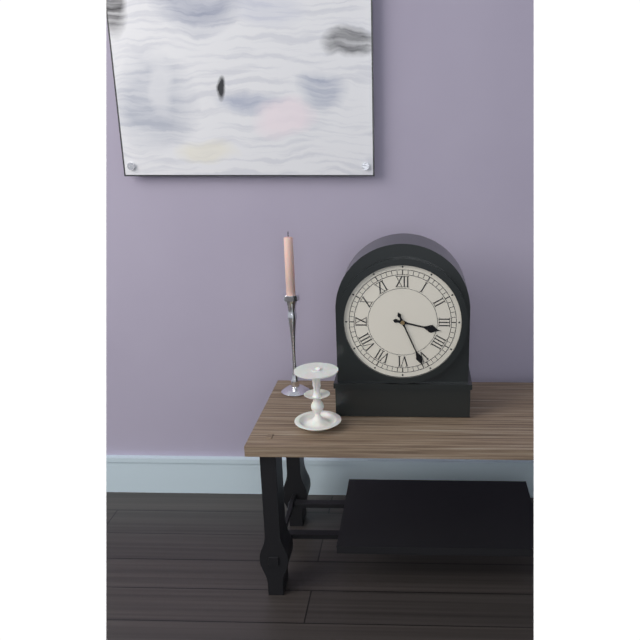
3h26
